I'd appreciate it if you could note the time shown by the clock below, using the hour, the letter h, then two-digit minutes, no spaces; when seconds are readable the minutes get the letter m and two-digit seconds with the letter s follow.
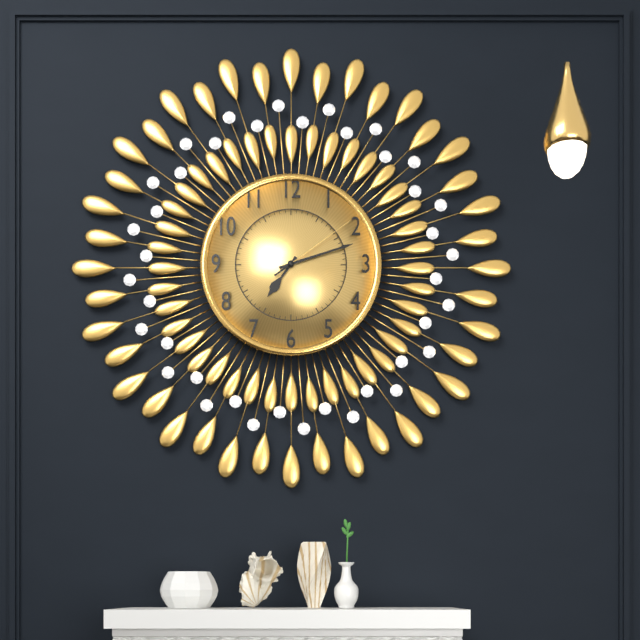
7h12m09s
